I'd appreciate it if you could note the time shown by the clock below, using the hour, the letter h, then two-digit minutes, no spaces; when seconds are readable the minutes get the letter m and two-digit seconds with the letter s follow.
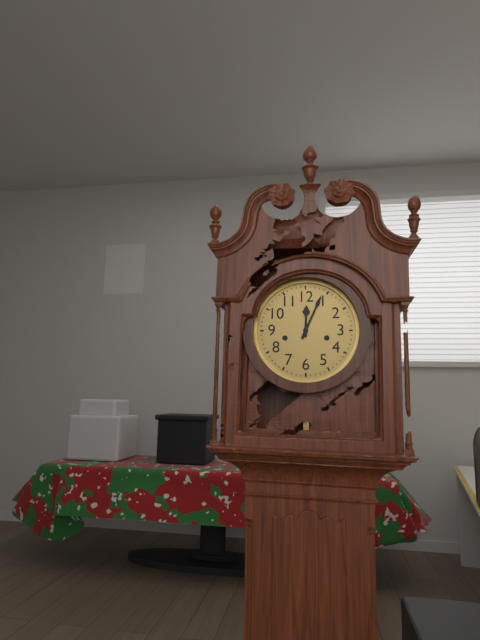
12h04
